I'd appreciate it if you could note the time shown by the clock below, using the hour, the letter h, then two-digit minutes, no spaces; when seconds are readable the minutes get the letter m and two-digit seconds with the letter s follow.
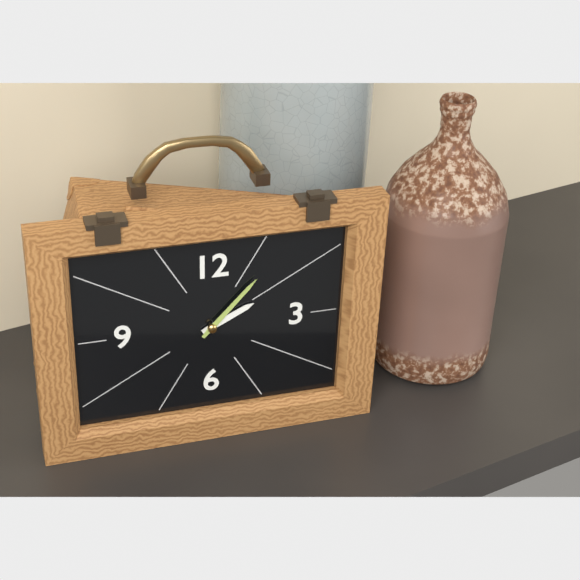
2h07
